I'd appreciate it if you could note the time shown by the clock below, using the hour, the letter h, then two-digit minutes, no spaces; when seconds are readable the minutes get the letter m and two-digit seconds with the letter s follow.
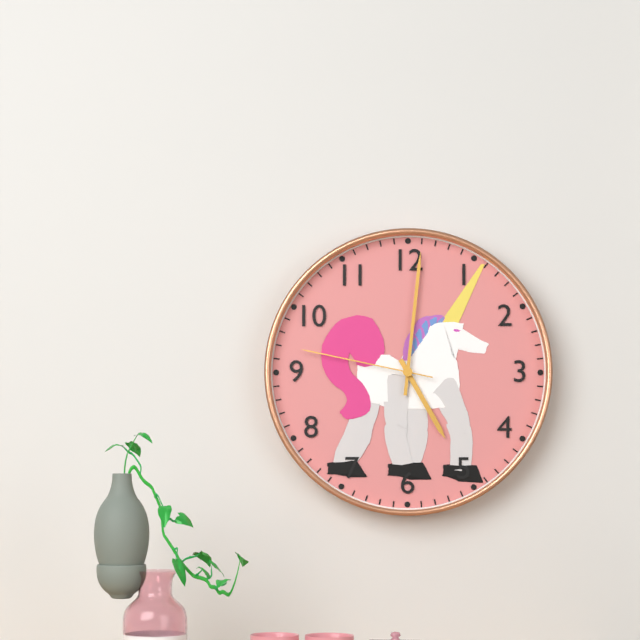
5h01m47s
